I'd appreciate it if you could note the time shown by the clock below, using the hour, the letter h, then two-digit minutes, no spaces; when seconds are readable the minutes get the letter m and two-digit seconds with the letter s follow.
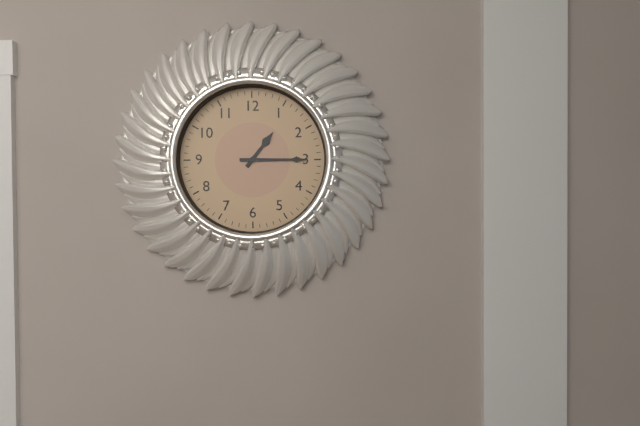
1h15
